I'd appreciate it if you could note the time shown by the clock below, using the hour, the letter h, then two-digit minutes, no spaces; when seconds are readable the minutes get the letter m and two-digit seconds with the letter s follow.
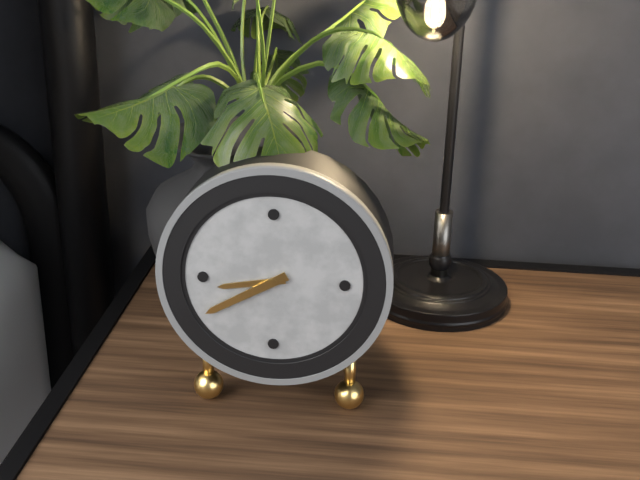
8h40
